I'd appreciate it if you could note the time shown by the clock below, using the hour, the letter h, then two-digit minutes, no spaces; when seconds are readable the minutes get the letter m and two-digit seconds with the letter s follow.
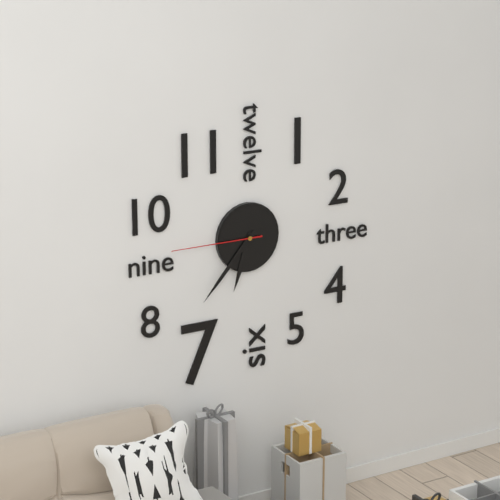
6h37m45s
